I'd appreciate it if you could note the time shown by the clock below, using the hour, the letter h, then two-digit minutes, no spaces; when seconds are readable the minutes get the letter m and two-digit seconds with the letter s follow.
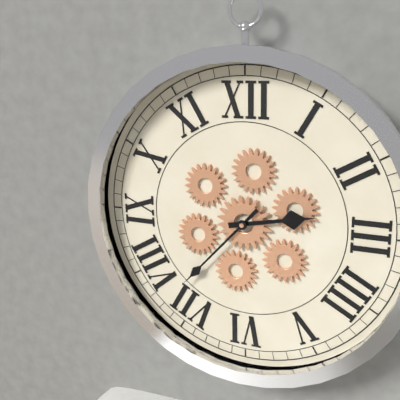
2h37
